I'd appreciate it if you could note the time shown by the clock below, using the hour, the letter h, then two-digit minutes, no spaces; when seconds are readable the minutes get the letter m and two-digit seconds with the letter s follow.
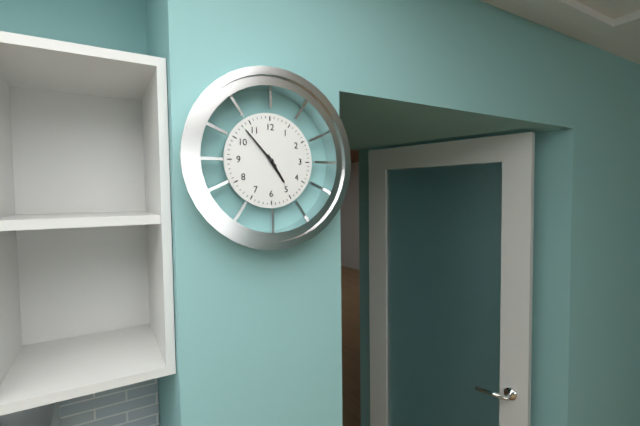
4h53
